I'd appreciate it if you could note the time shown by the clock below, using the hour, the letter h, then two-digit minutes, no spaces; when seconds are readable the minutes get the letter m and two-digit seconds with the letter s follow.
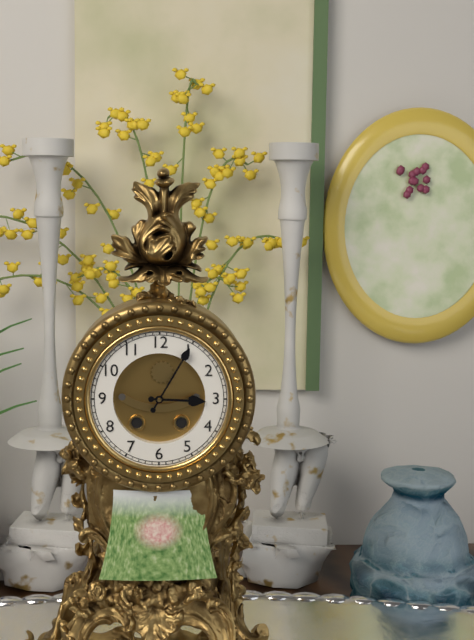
3h05
